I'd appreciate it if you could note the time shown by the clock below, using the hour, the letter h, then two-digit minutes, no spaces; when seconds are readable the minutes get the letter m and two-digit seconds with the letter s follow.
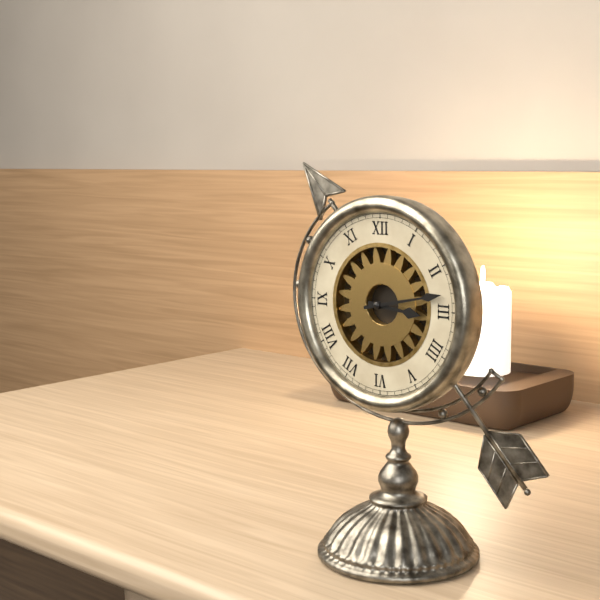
3h13
